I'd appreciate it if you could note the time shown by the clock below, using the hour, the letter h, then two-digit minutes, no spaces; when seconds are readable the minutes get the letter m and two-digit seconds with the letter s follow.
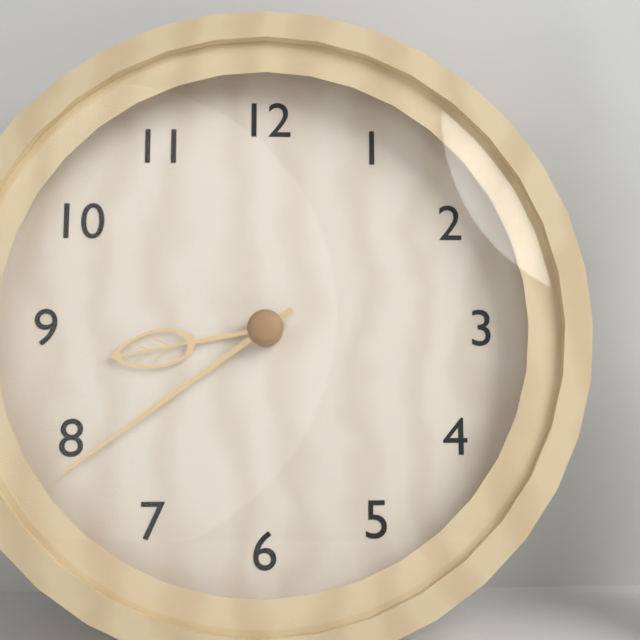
8h39
